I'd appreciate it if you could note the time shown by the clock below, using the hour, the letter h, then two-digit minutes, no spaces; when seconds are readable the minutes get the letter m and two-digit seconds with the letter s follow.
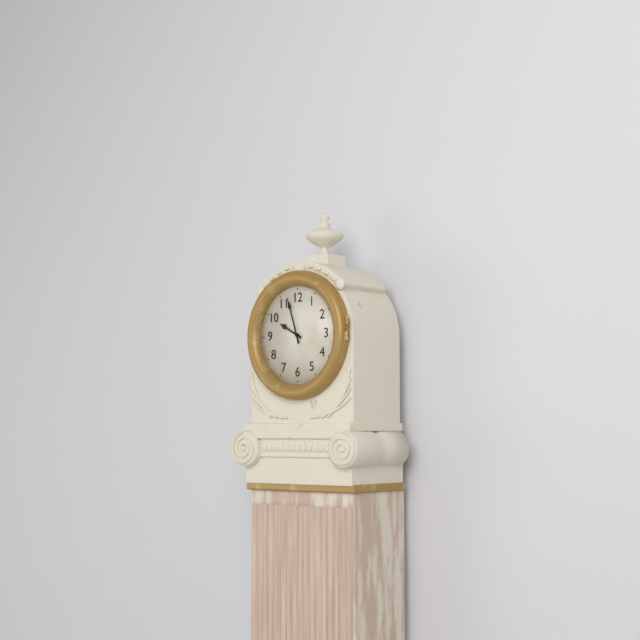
9h57
